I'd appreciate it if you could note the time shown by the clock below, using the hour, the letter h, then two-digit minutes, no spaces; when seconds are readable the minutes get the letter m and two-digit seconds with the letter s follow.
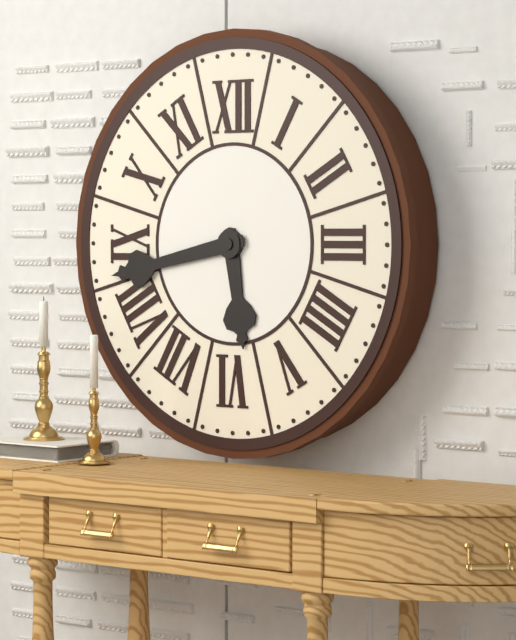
5h43
